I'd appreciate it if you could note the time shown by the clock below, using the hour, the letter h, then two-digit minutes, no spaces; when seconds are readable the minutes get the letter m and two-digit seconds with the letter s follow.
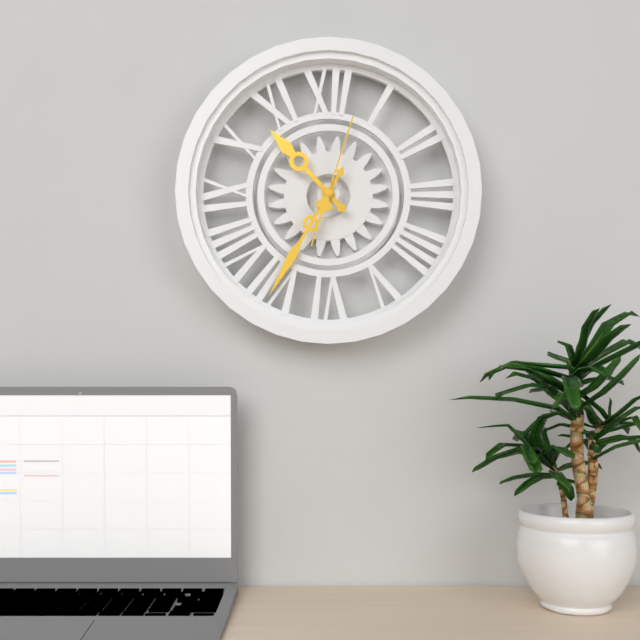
10h35m03s
